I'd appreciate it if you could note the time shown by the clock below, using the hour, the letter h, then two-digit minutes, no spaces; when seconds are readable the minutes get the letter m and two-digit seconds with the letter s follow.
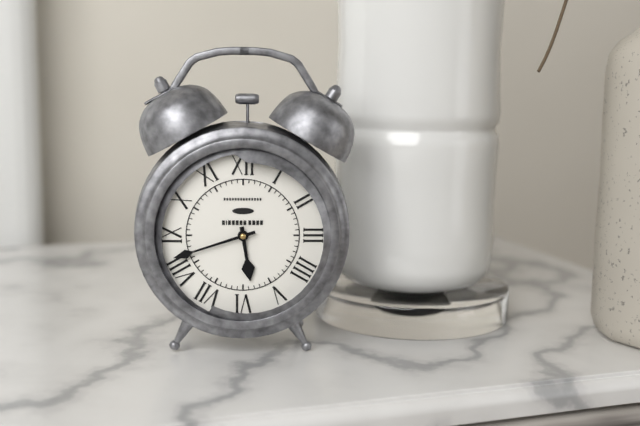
5h42
